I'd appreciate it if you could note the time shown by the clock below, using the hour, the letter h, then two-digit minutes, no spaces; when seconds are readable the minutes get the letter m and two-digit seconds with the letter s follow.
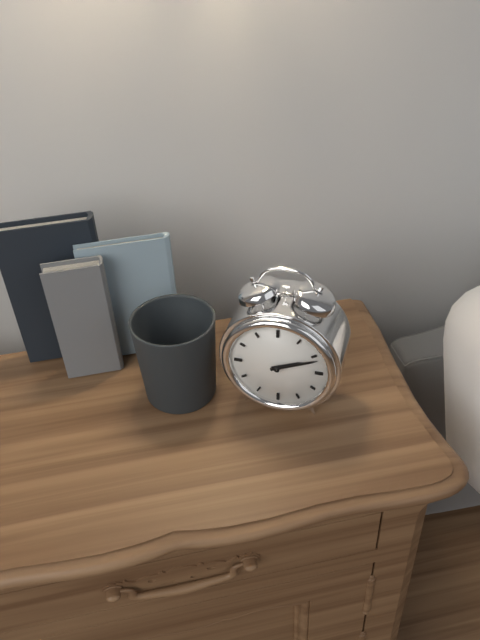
2h11
